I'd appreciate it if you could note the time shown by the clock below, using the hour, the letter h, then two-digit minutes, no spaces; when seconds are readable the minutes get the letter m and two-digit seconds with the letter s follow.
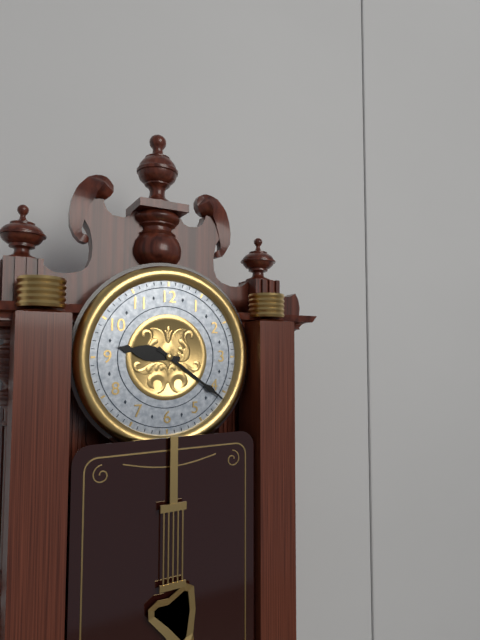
9h21
